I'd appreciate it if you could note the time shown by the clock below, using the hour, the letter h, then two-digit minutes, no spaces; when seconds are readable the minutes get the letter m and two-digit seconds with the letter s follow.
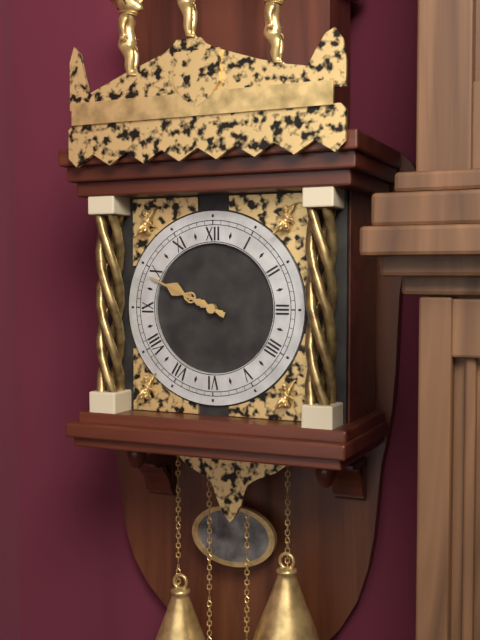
9h49
